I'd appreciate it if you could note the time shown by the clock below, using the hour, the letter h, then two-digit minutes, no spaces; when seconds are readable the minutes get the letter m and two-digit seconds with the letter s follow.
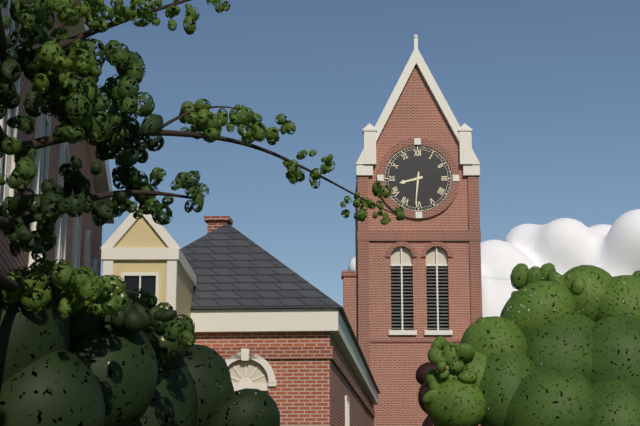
8h31
